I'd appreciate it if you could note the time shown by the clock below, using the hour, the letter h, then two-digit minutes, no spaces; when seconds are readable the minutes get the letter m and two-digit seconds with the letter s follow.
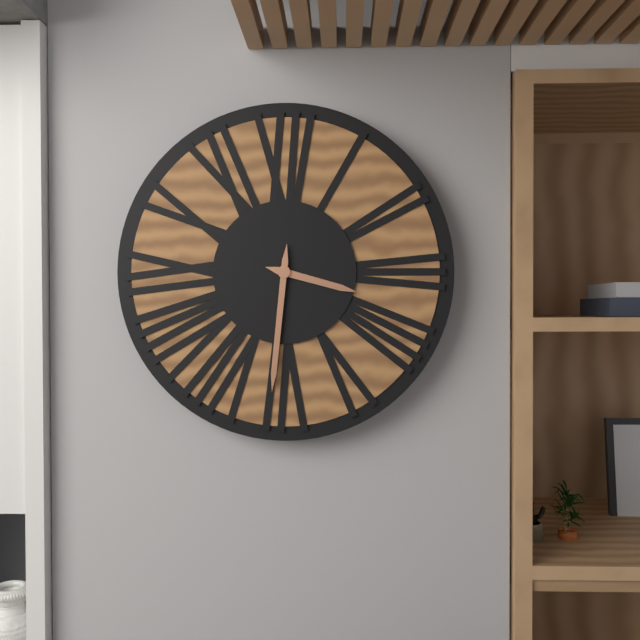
3h31
